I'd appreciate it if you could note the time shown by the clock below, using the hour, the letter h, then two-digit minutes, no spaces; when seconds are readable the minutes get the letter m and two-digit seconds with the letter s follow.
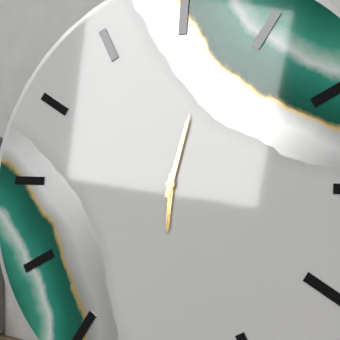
6h02
